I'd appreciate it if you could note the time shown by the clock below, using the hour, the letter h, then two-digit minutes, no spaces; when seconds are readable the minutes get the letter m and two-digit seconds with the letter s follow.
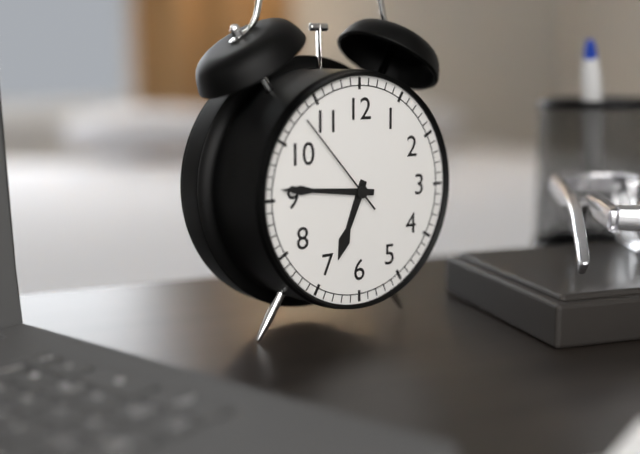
6h46m53s
